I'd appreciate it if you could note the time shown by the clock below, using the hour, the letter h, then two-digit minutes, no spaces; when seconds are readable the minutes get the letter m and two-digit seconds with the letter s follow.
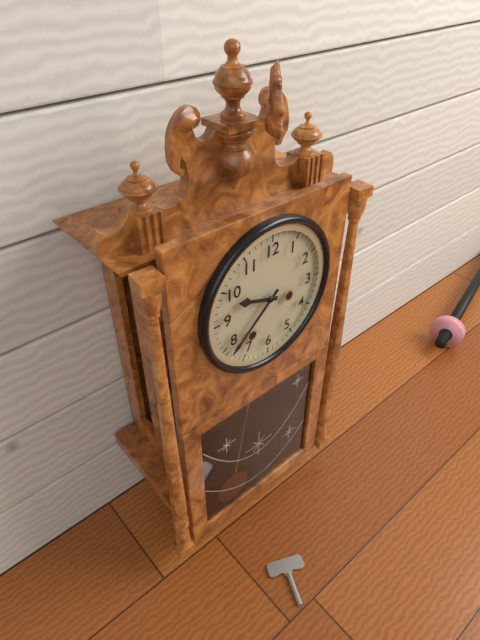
9h38
